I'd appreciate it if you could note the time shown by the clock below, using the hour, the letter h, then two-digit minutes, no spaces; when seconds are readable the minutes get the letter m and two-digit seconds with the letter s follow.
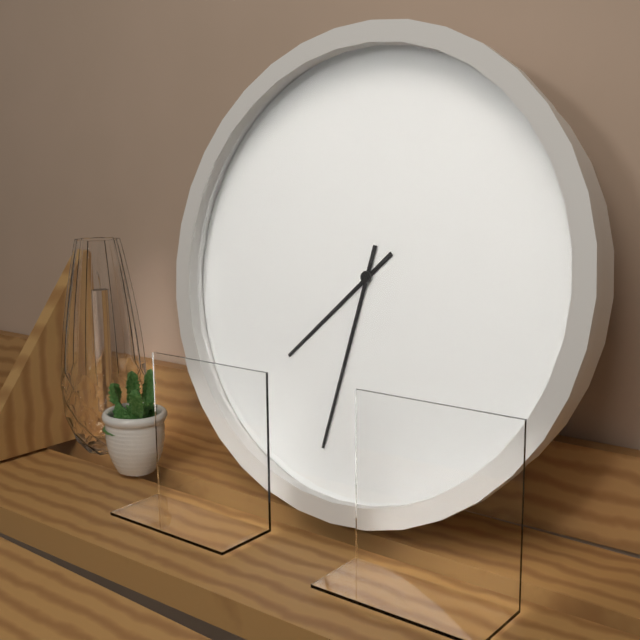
7h32
